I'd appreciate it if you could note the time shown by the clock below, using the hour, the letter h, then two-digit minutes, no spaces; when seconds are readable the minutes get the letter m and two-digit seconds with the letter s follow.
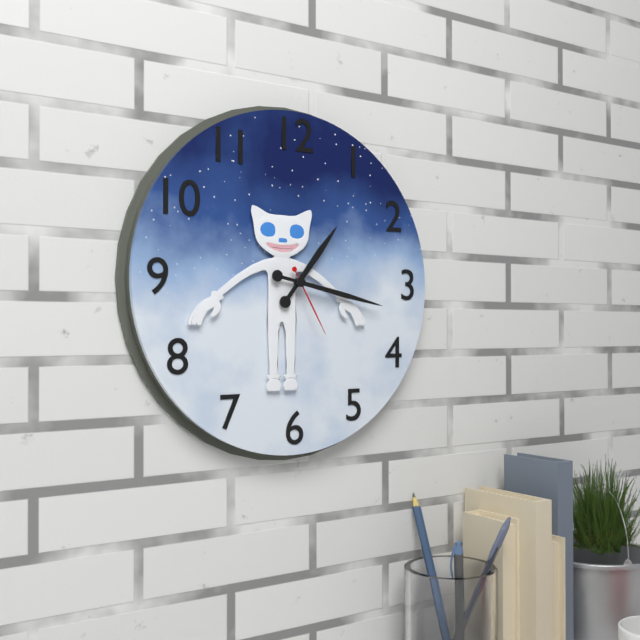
1h17m25s
